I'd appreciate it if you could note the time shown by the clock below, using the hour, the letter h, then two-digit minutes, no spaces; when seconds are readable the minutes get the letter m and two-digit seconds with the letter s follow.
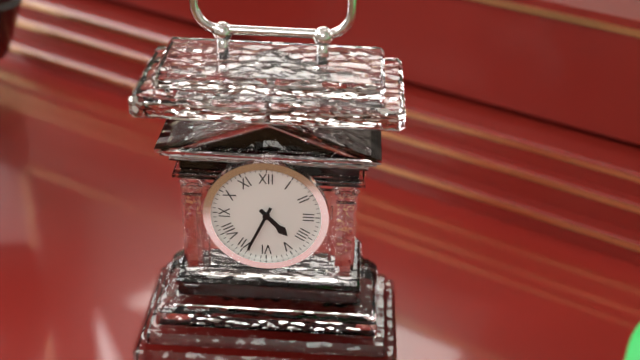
4h34
